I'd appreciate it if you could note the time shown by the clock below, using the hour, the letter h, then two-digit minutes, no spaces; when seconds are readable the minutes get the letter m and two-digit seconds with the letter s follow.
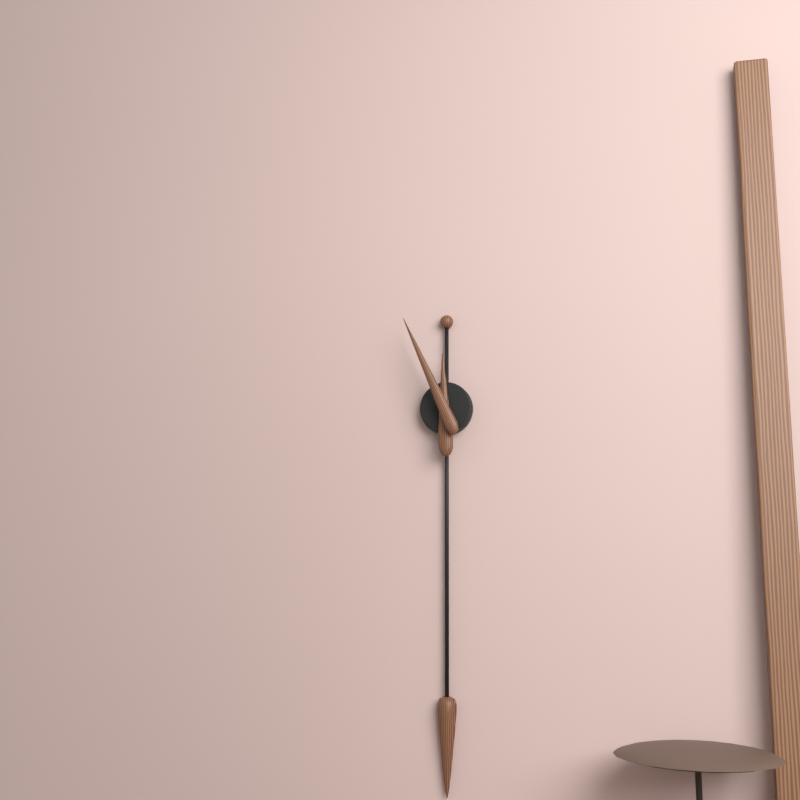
11h56
